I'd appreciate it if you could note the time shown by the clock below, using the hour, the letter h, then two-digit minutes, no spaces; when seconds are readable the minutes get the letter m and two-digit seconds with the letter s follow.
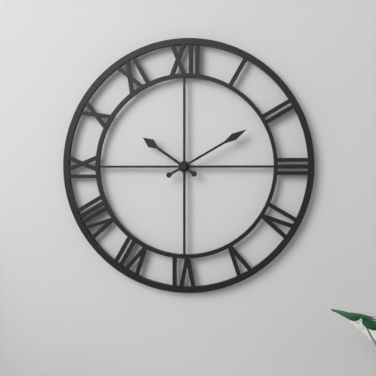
10h10
